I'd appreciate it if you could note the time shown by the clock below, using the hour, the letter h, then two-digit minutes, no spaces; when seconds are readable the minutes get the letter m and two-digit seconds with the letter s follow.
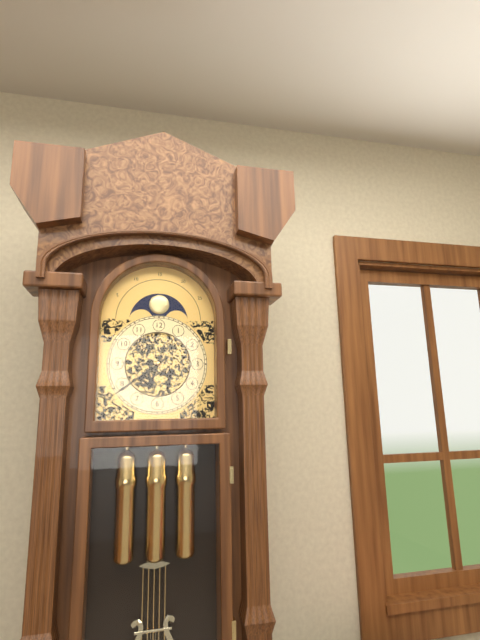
6h39
